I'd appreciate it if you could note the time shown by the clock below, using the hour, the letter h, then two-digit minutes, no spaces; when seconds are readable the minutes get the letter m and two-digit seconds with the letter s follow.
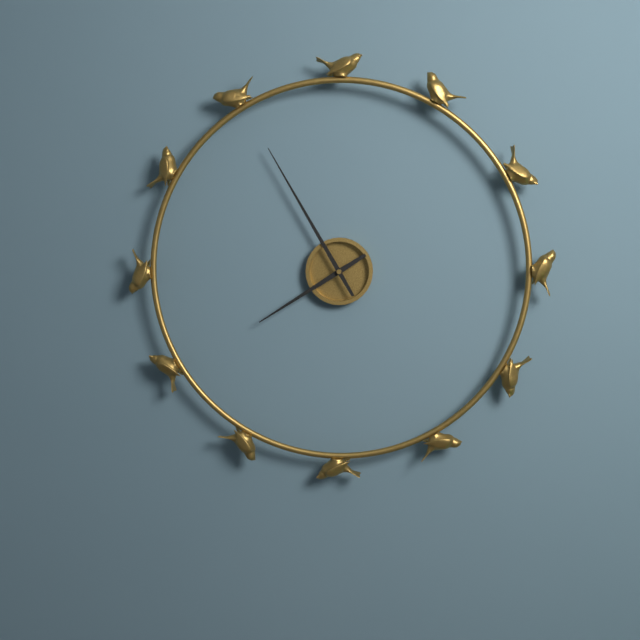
7h55
